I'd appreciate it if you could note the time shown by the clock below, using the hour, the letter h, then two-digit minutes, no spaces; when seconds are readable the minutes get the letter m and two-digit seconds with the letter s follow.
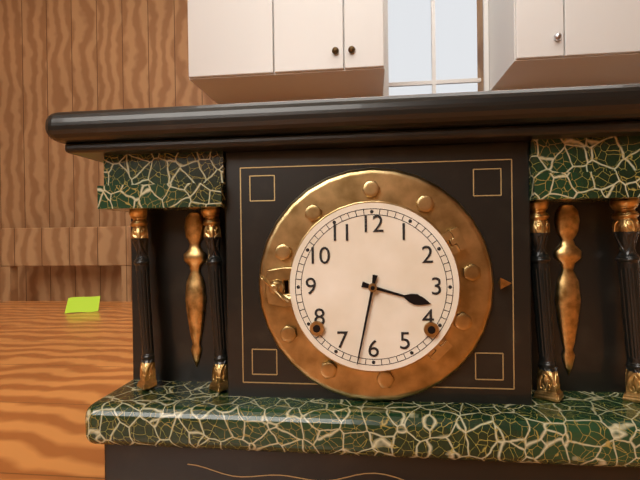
3h32
